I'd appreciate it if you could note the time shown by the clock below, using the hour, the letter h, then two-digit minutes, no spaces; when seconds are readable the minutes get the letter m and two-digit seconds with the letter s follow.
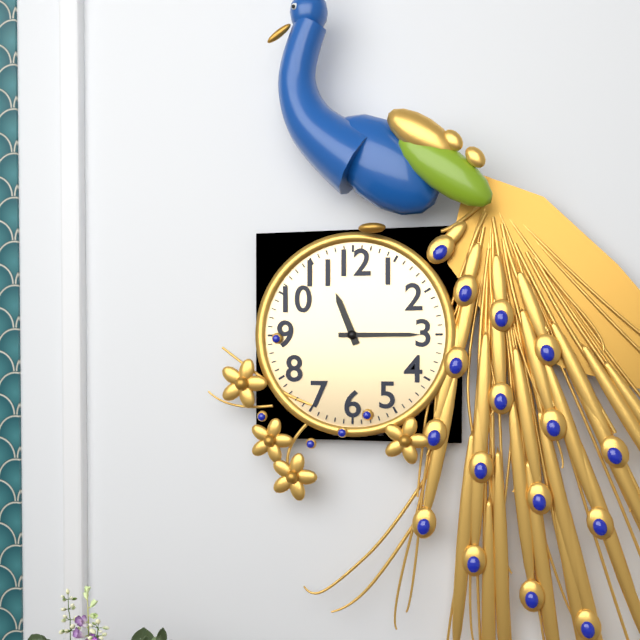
11h15
